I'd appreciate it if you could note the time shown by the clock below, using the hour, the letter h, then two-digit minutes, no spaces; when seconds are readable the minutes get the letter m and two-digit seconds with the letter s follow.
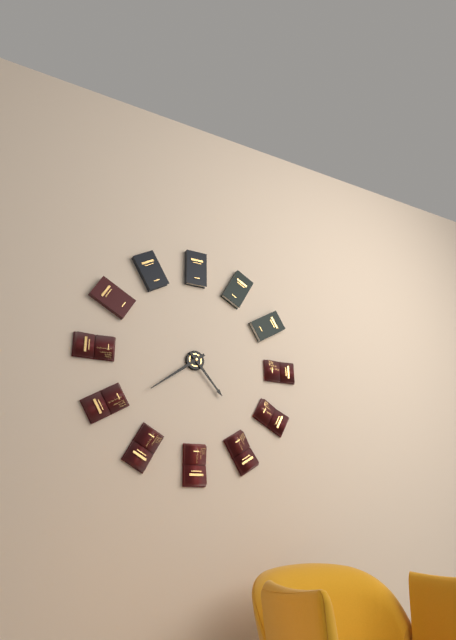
4h39
